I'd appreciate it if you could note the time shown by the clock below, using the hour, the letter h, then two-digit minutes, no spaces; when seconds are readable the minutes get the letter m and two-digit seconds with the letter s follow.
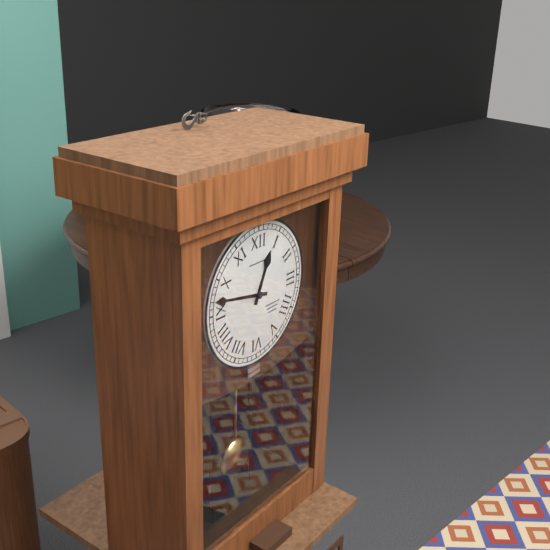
12h47
